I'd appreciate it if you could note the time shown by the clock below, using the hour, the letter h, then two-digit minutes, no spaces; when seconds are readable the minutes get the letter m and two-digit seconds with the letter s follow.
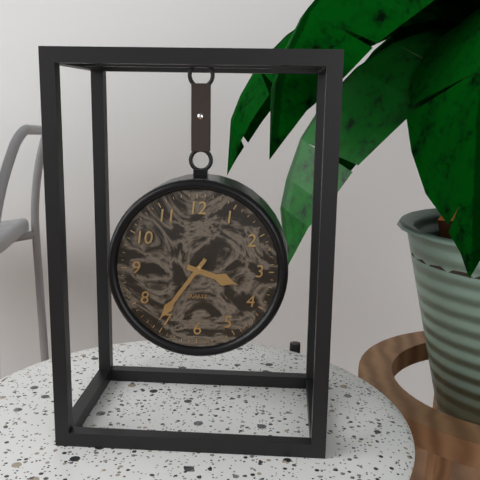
3h36
